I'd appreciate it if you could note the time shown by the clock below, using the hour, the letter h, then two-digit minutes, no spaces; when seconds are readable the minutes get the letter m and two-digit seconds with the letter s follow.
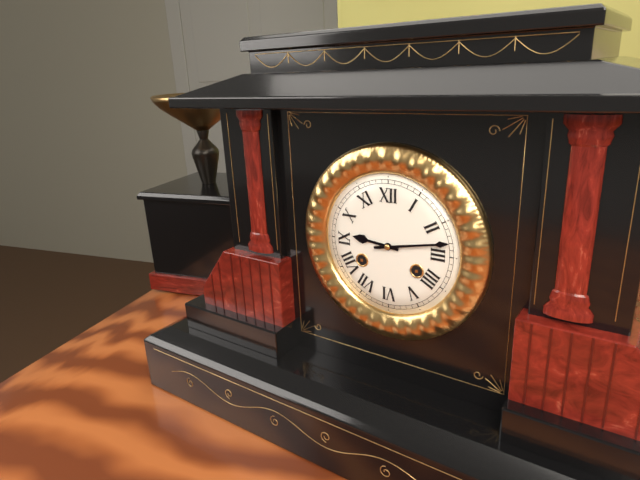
9h13
